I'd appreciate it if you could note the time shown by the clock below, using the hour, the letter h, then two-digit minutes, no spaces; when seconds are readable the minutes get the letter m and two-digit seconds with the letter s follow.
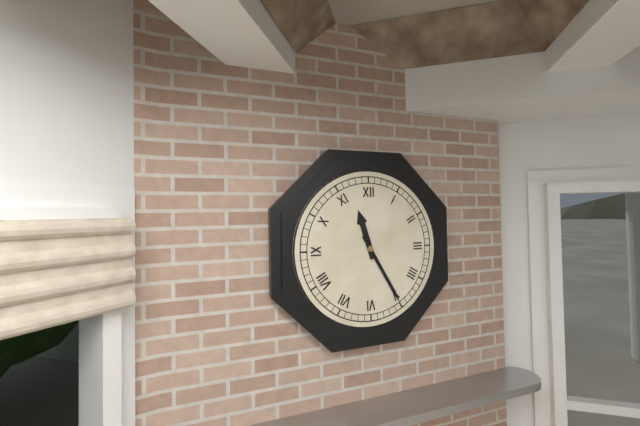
11h25
